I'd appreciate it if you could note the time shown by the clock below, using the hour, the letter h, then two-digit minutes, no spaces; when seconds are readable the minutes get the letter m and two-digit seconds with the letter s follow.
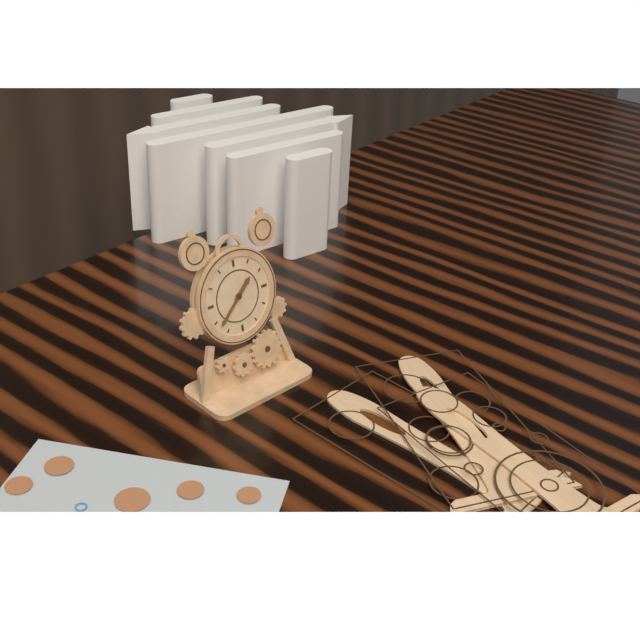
1h38
